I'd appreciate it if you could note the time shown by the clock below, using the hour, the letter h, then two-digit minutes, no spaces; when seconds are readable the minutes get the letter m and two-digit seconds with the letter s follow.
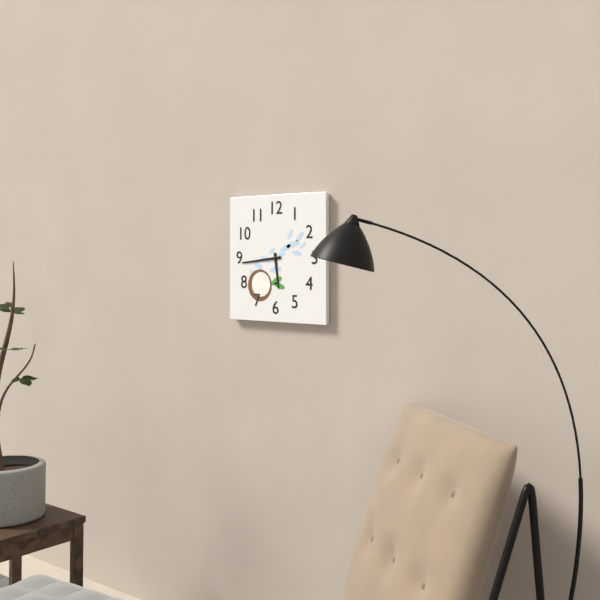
5h44
